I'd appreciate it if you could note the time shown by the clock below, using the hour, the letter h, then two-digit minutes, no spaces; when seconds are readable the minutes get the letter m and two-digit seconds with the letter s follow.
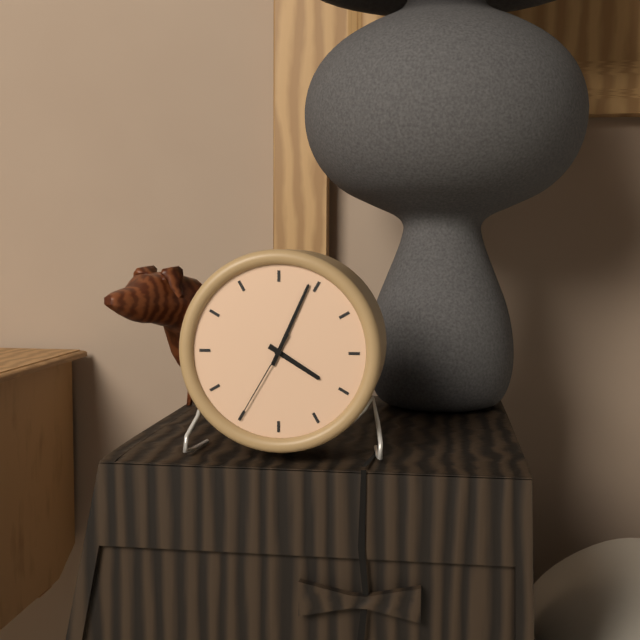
4h04m35s
